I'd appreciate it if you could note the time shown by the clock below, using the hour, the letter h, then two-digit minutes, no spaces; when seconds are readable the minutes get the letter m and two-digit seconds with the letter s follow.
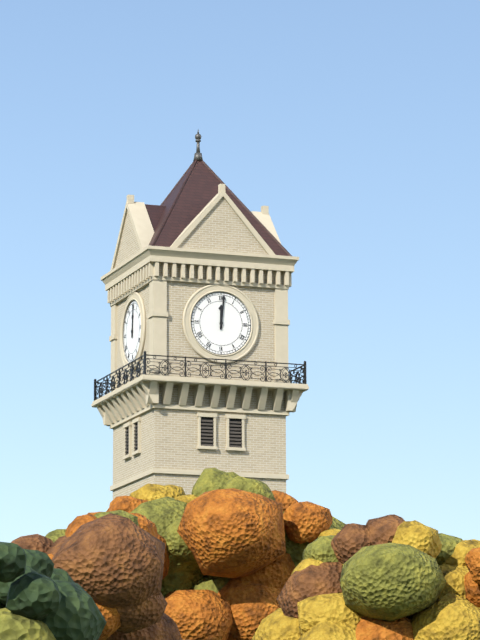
12h01
